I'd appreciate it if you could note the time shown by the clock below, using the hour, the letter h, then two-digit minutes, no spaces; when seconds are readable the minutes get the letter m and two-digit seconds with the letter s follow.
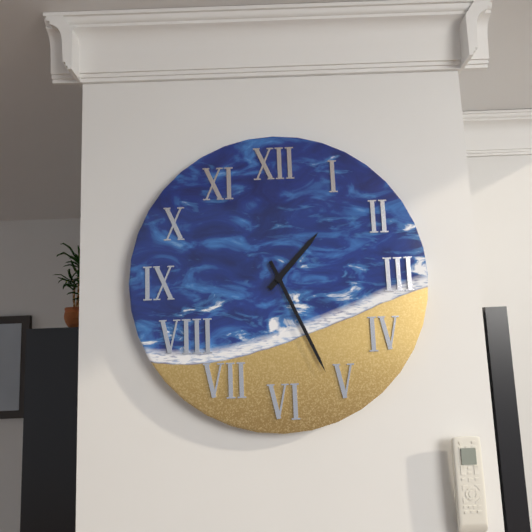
1h26
